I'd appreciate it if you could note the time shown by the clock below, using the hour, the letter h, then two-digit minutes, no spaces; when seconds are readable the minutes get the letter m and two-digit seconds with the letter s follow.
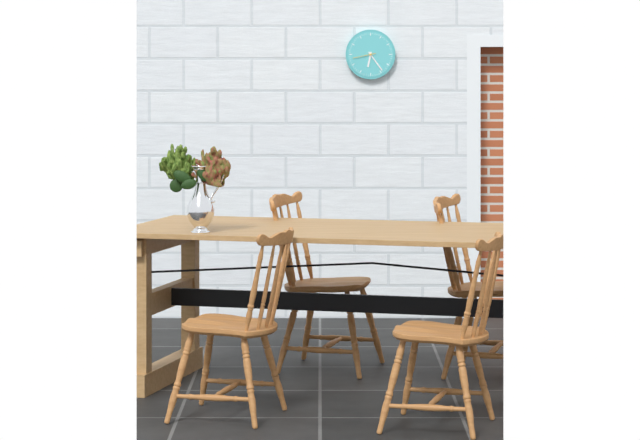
6h24
